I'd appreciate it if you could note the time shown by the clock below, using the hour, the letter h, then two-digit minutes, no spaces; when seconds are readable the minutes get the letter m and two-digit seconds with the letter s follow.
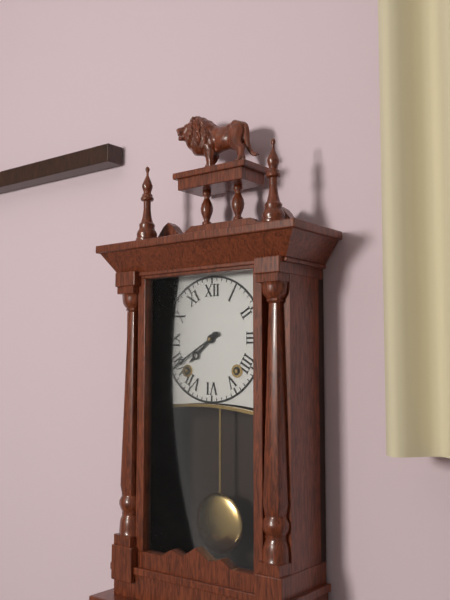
7h40
